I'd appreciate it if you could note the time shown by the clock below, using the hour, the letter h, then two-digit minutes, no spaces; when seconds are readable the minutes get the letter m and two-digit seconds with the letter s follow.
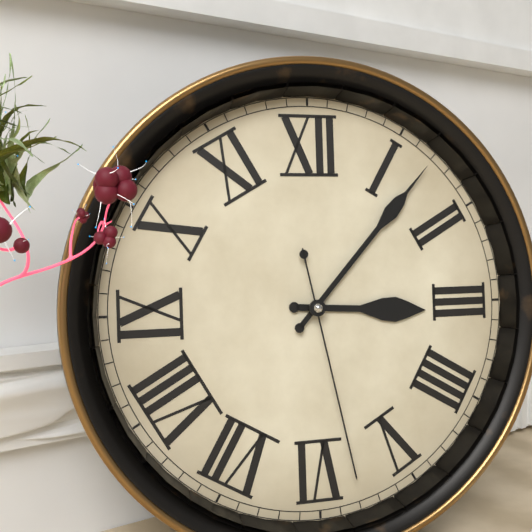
3h07m28s
